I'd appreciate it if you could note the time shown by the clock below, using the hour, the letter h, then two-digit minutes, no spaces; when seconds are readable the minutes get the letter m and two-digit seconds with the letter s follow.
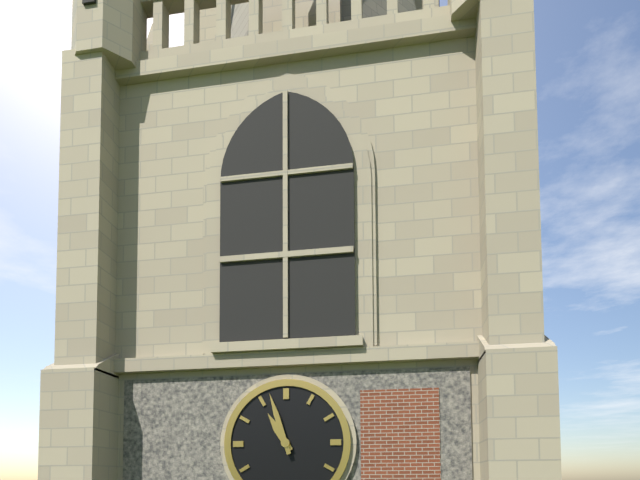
10h57
